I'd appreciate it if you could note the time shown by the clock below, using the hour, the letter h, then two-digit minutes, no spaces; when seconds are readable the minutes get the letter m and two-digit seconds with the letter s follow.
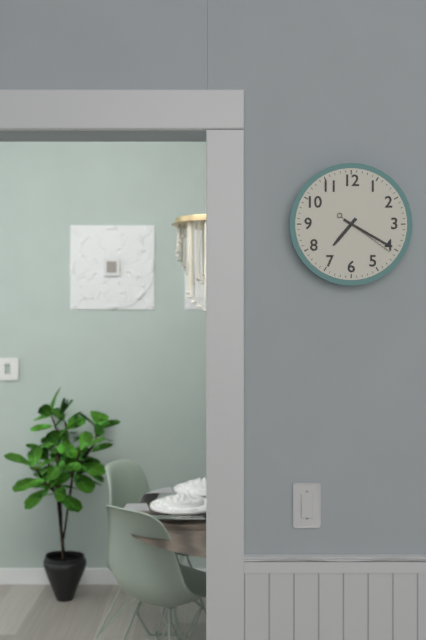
7h20m21s
